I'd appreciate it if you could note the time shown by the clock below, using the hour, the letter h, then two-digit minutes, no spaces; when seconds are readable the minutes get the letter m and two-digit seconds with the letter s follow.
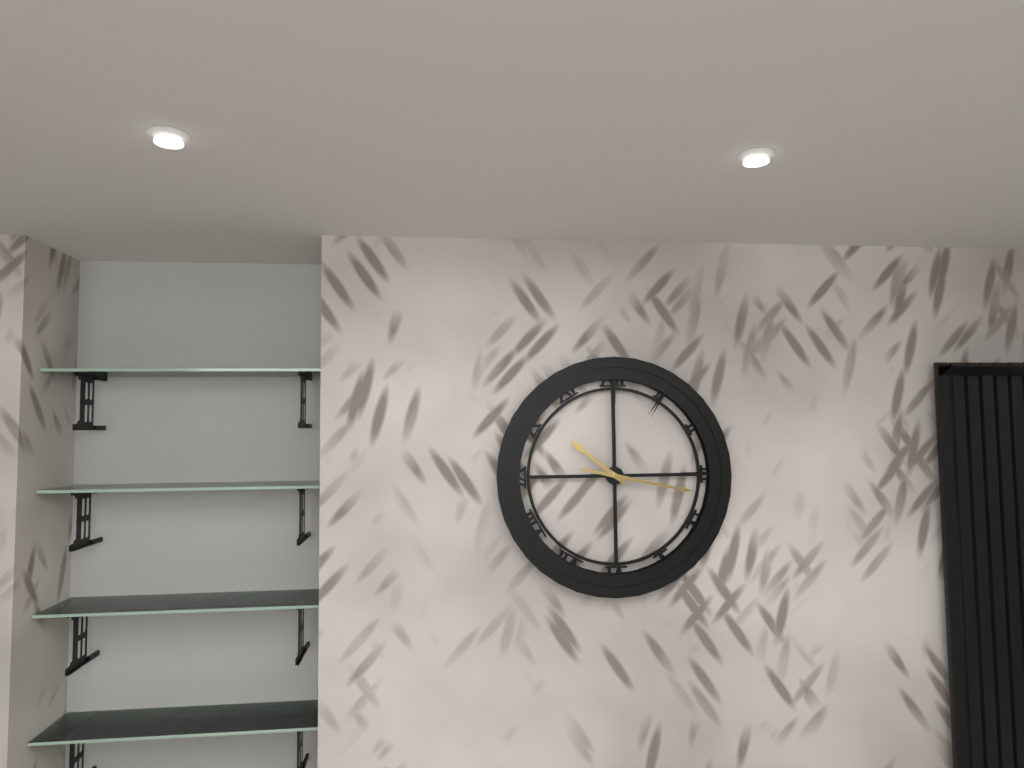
10h17
